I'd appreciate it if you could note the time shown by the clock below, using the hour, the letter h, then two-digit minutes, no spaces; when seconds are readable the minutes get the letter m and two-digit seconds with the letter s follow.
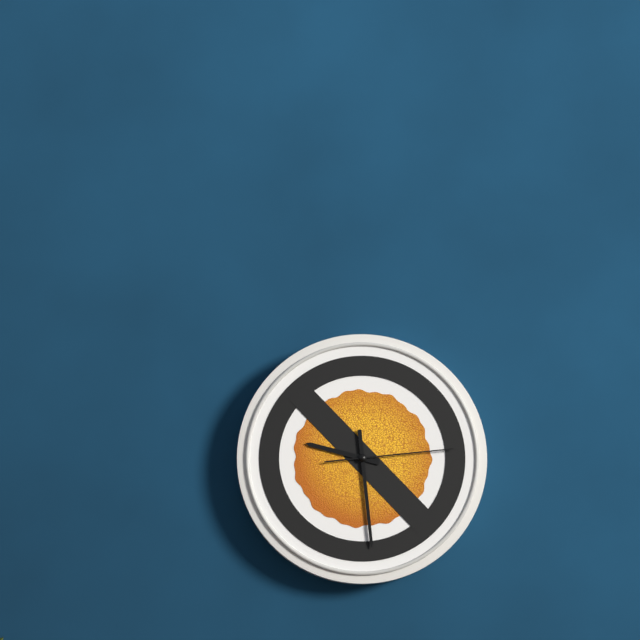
9h29m14s
